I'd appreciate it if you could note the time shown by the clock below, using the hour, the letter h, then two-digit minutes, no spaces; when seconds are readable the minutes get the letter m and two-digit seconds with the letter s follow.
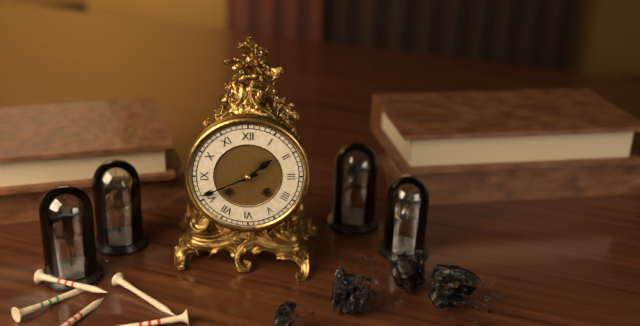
1h41
